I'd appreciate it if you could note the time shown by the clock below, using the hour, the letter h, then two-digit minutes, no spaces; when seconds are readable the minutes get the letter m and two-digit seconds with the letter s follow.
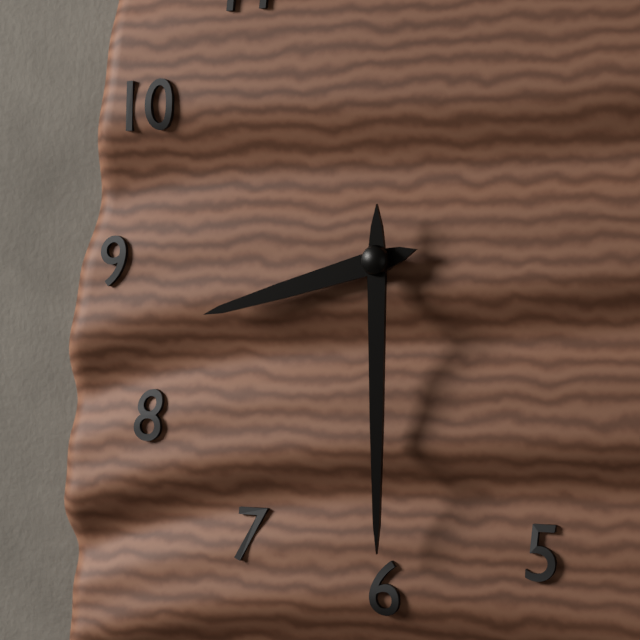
8h30
